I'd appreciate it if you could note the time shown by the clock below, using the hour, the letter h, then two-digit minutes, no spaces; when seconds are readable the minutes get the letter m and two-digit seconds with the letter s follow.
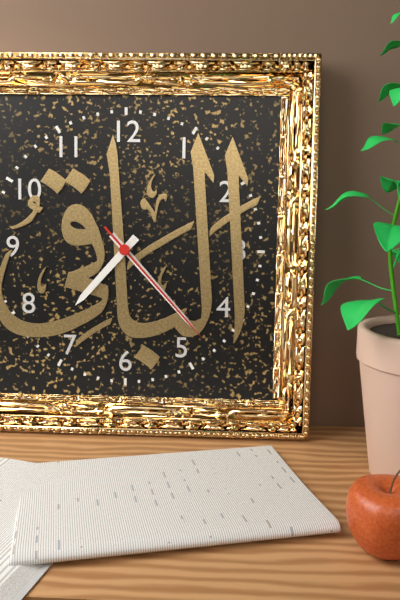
7h23m23s
